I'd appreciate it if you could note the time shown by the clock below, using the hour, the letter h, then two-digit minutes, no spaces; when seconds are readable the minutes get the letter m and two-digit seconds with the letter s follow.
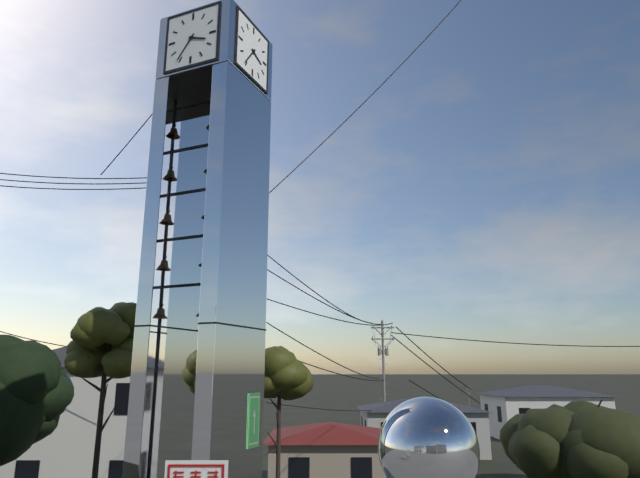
3h36
